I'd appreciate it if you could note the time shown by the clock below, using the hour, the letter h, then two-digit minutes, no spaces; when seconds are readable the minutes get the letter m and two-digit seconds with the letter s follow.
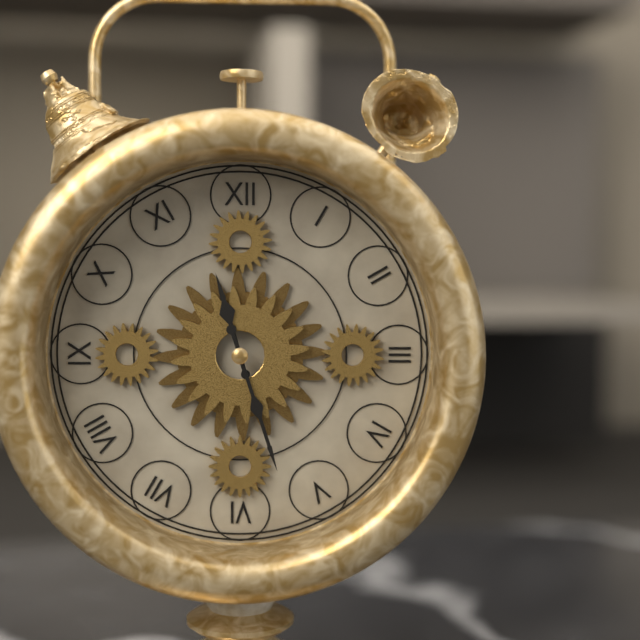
11h27
